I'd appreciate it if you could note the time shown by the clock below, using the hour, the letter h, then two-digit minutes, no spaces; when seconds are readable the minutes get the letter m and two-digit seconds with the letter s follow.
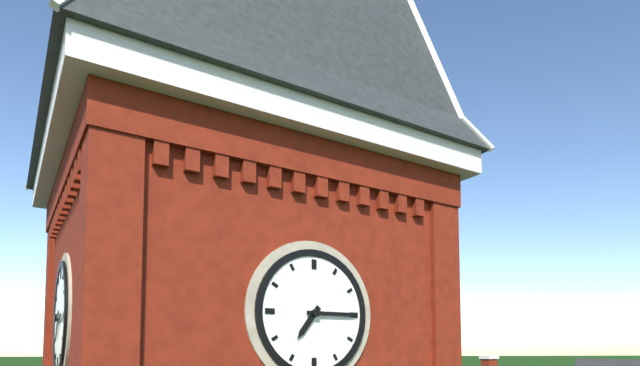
7h15
